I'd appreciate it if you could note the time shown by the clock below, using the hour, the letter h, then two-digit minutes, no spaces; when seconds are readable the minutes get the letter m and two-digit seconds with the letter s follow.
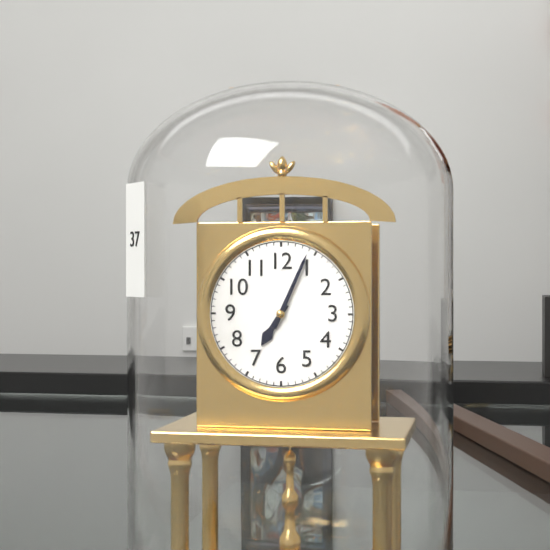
7h04
